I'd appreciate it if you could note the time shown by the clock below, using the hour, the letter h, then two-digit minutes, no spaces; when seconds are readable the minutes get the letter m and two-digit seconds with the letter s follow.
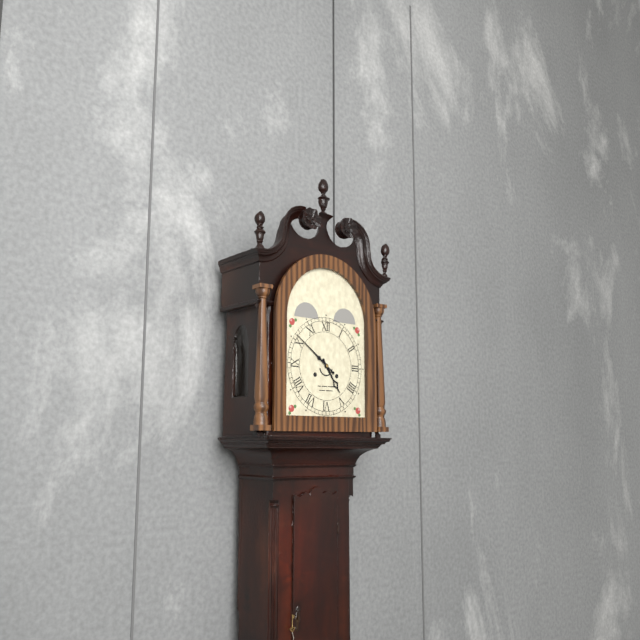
4h51
